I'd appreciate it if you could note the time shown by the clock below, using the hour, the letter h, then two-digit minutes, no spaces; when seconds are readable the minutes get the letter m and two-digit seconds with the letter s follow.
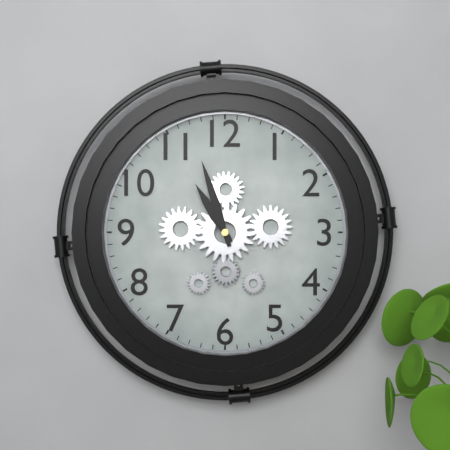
10h57
